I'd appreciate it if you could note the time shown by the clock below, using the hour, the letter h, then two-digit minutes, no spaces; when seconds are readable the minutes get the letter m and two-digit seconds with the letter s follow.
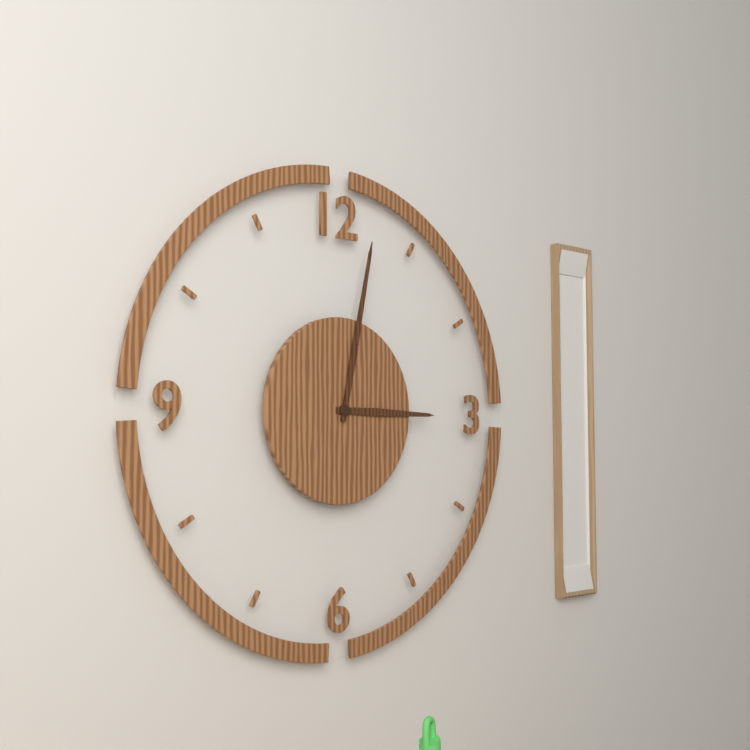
3h02
